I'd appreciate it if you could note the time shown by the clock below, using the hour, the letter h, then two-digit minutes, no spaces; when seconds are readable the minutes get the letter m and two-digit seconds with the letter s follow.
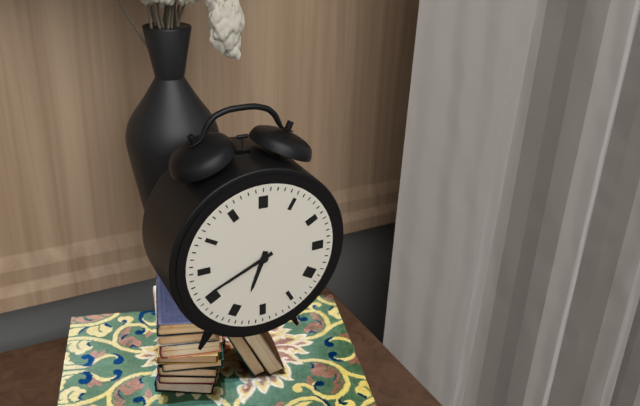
6h41
